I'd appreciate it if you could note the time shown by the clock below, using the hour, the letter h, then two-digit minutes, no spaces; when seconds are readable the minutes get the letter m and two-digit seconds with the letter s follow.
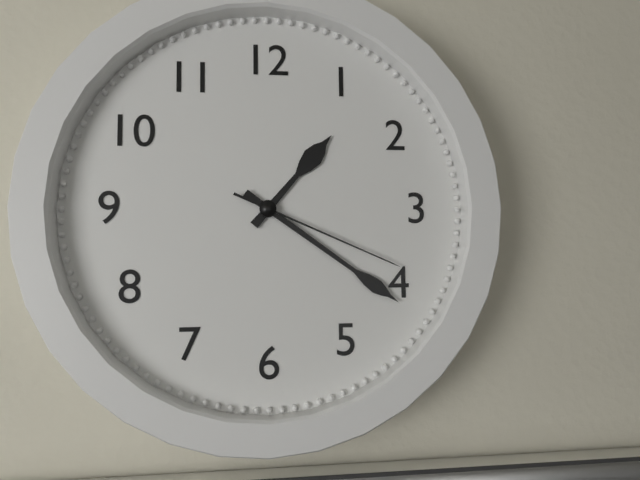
1h21m19s
